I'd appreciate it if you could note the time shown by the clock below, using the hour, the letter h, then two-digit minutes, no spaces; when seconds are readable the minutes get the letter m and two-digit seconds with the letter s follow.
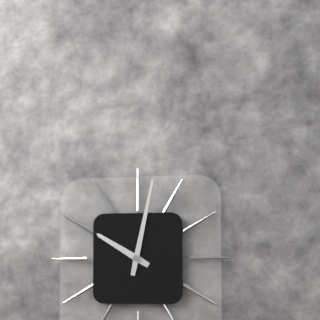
10h02
